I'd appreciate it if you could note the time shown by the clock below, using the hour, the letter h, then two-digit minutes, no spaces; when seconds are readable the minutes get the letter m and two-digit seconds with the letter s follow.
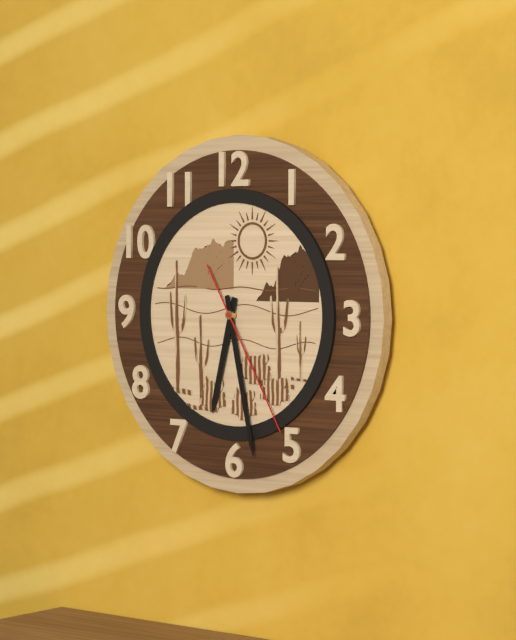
6h28m25s
